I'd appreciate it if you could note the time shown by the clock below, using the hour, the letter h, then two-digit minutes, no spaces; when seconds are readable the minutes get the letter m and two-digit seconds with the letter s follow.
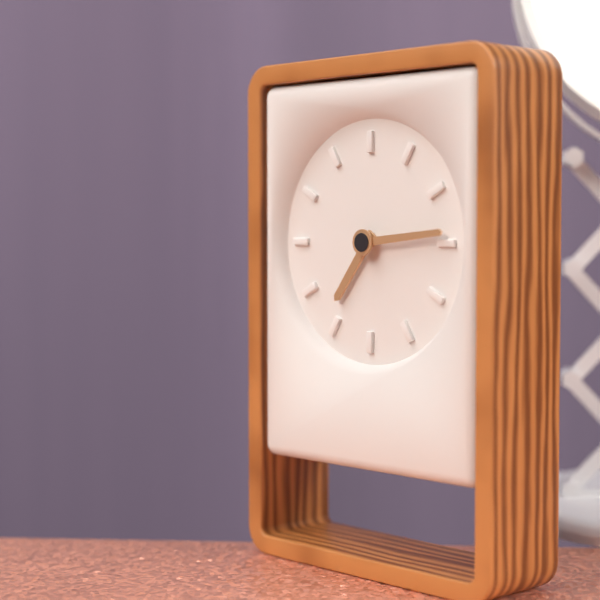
7h14
